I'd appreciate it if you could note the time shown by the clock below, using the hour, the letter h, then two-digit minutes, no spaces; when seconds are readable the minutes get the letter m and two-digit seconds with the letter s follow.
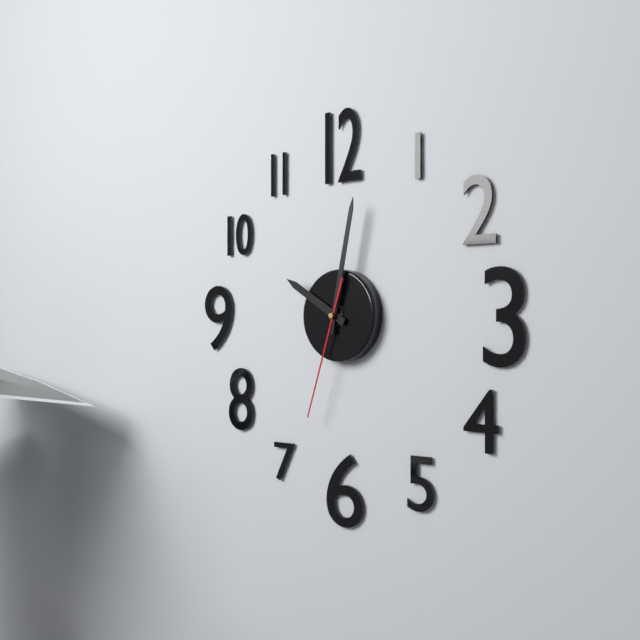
10h02m33s
